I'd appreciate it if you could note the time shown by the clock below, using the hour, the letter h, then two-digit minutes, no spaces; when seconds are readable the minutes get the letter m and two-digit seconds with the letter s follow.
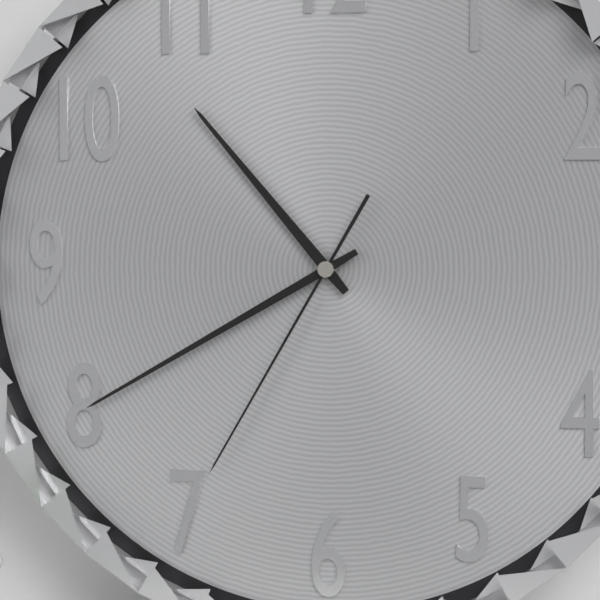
10h40m35s
